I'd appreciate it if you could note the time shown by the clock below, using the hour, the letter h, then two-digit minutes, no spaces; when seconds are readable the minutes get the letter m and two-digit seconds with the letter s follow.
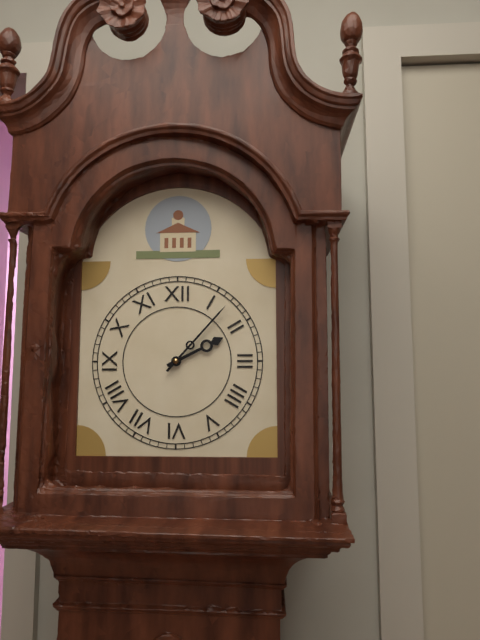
2h07
